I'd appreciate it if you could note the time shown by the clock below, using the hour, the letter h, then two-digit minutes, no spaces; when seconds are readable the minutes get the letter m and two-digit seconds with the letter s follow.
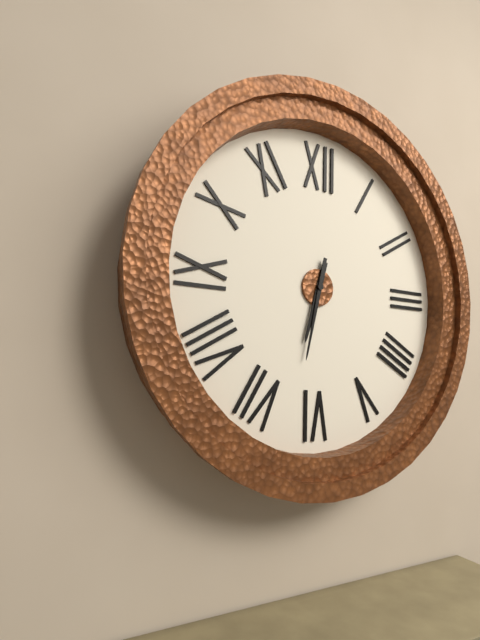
6h32
